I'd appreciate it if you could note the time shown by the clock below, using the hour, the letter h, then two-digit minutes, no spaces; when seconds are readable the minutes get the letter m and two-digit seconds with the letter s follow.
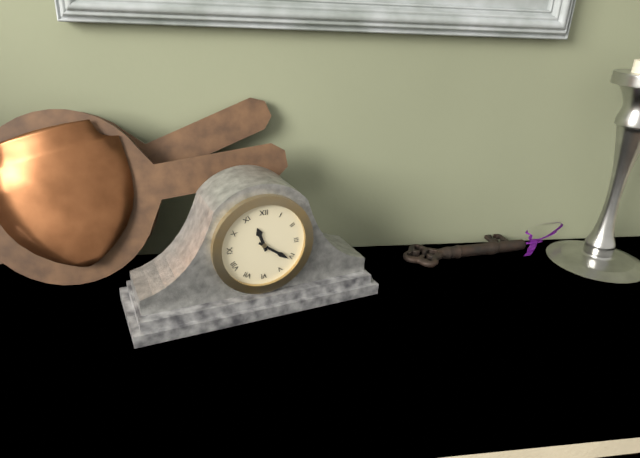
11h21
